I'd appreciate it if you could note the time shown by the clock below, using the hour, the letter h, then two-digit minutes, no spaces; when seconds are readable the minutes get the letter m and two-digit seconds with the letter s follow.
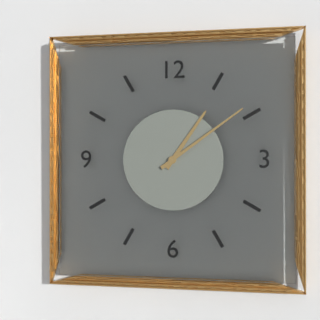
1h09
